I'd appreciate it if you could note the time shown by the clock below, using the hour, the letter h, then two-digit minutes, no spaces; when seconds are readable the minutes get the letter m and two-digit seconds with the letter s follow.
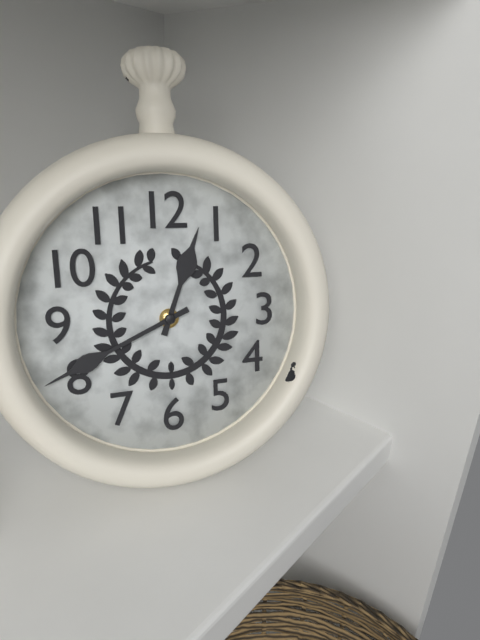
12h41
